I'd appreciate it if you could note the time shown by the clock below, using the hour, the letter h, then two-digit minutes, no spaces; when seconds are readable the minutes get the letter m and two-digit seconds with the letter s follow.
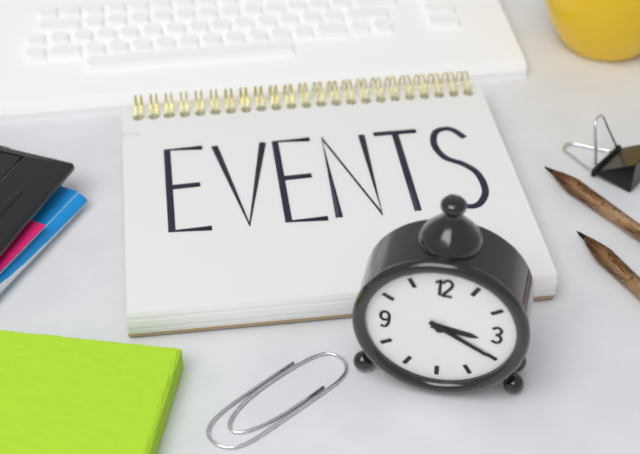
3h20
